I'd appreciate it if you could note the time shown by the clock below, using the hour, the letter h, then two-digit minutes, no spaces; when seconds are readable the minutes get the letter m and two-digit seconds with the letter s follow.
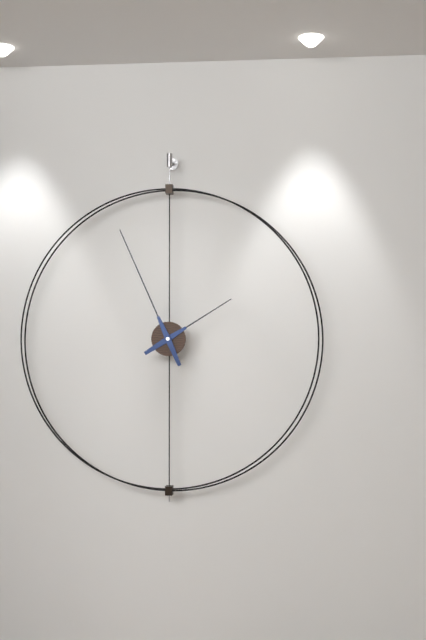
1h56
